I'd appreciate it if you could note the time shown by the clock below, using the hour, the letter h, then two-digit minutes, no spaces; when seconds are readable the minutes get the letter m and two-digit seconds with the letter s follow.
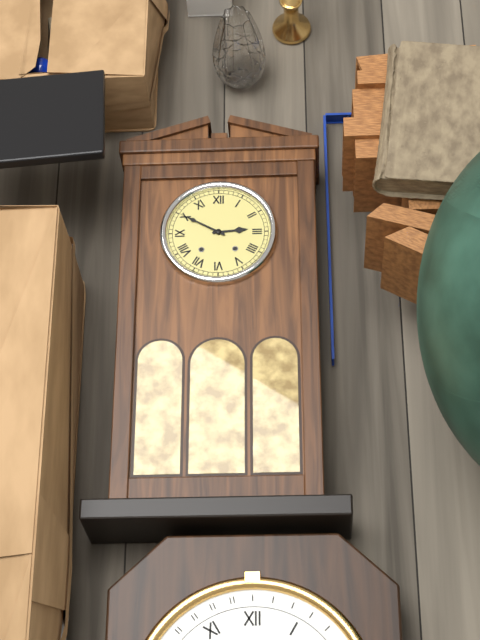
2h50
